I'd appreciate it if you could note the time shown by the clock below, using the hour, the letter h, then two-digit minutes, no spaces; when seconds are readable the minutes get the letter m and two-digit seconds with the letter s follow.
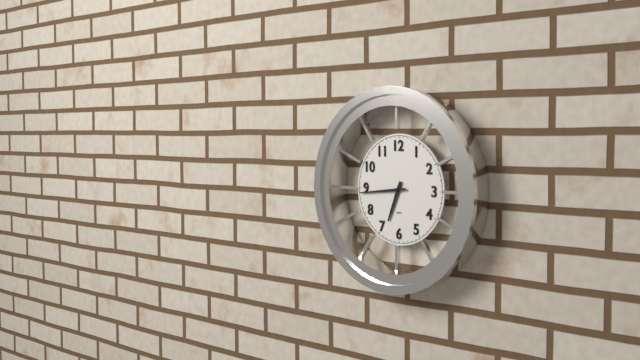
6h44
